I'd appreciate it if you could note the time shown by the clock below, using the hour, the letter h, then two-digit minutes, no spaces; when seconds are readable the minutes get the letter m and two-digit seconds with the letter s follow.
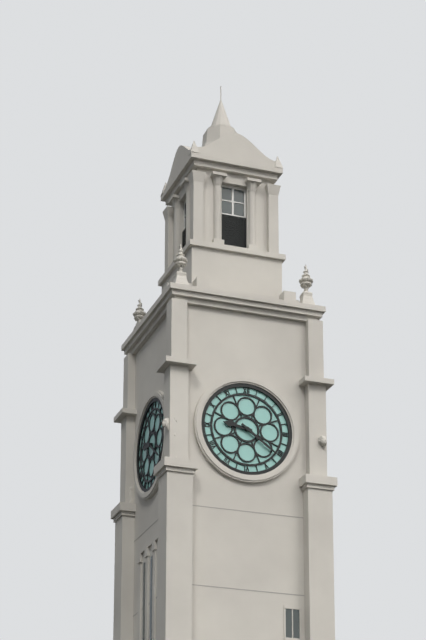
9h21
